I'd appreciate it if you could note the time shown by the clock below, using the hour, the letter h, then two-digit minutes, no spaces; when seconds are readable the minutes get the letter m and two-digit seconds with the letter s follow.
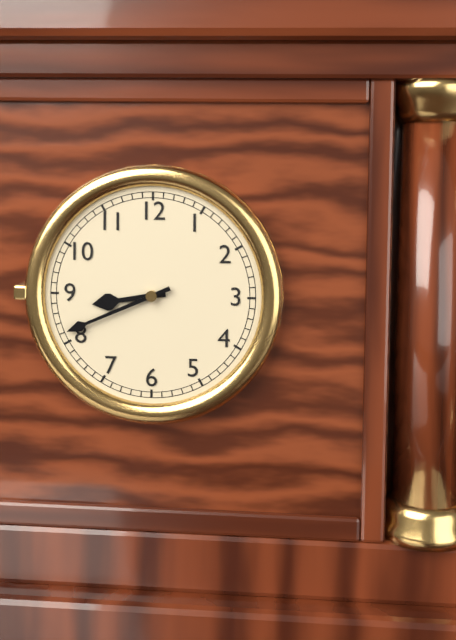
8h41
